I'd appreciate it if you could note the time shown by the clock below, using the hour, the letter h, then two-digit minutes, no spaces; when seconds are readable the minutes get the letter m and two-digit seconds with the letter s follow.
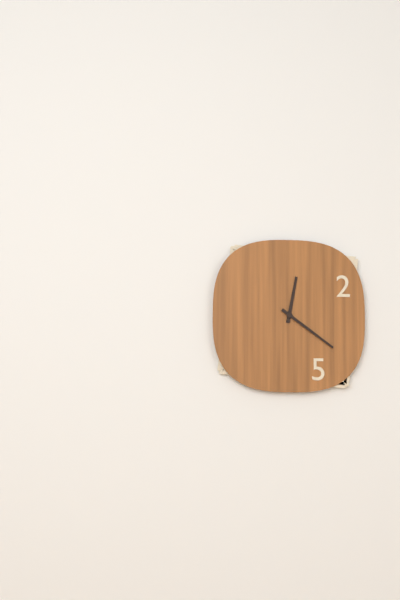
12h21
